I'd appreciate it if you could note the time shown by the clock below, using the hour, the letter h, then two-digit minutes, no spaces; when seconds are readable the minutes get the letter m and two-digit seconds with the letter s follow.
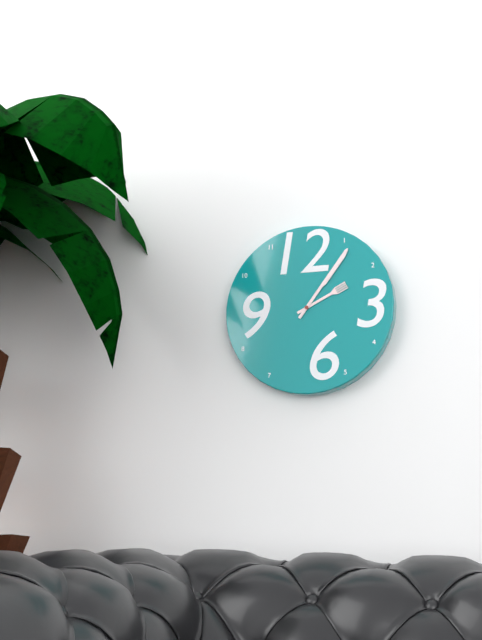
2h06
